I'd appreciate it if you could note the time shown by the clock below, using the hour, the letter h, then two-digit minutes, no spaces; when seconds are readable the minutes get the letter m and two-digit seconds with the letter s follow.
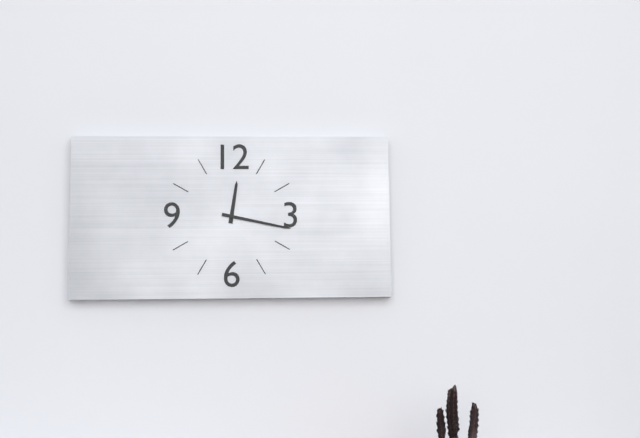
12h17
